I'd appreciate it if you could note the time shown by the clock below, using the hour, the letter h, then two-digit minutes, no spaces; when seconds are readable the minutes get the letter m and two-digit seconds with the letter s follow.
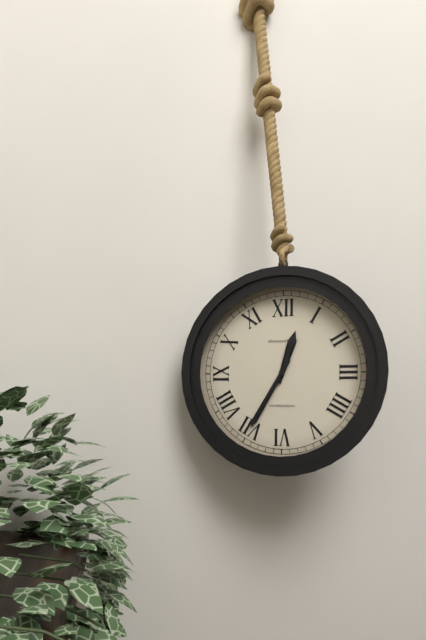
12h35
